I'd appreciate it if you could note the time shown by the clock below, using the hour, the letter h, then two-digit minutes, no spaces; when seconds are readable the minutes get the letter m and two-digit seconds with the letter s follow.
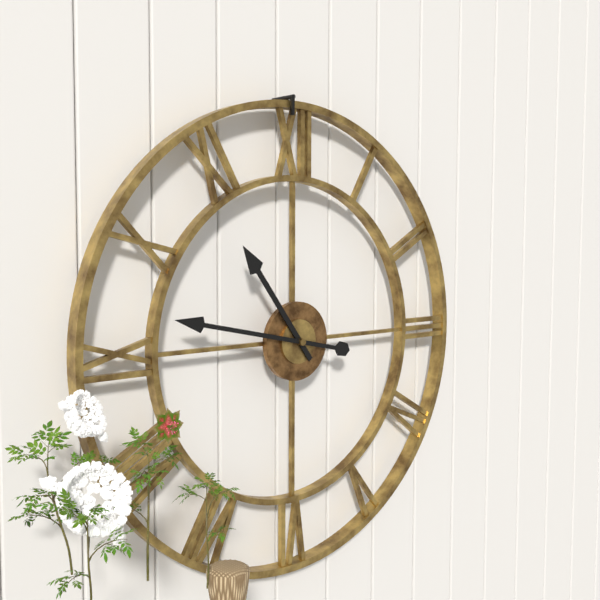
10h47
